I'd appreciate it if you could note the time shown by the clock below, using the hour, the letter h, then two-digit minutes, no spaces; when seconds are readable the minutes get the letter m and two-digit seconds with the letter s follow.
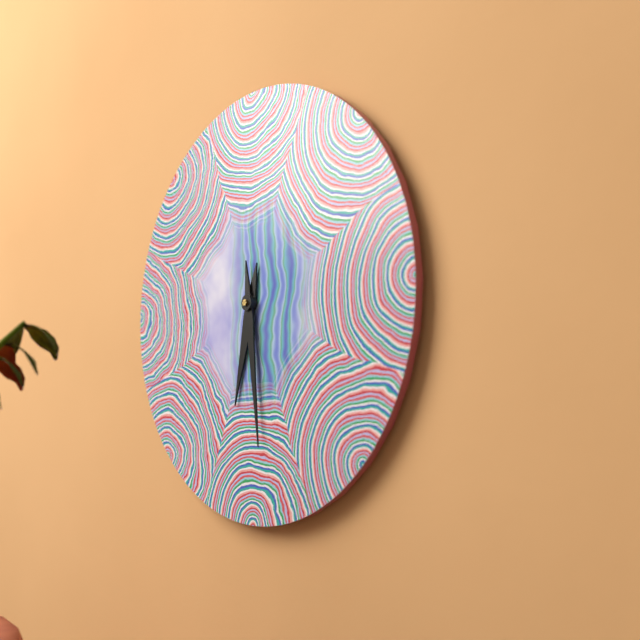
6h29
